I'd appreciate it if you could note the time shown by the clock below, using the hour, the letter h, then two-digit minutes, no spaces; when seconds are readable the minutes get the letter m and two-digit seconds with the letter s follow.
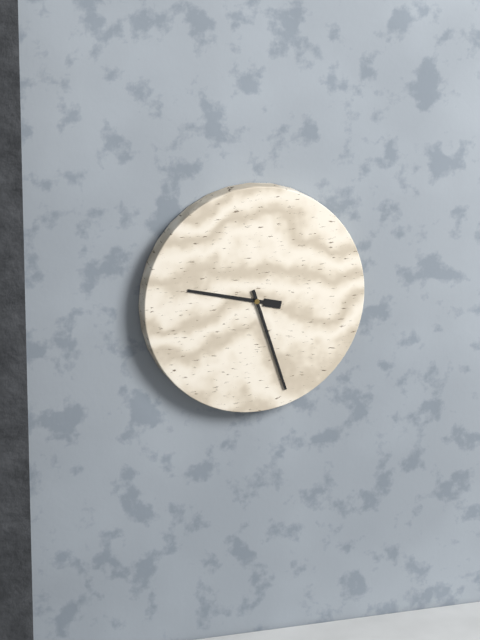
9h27
